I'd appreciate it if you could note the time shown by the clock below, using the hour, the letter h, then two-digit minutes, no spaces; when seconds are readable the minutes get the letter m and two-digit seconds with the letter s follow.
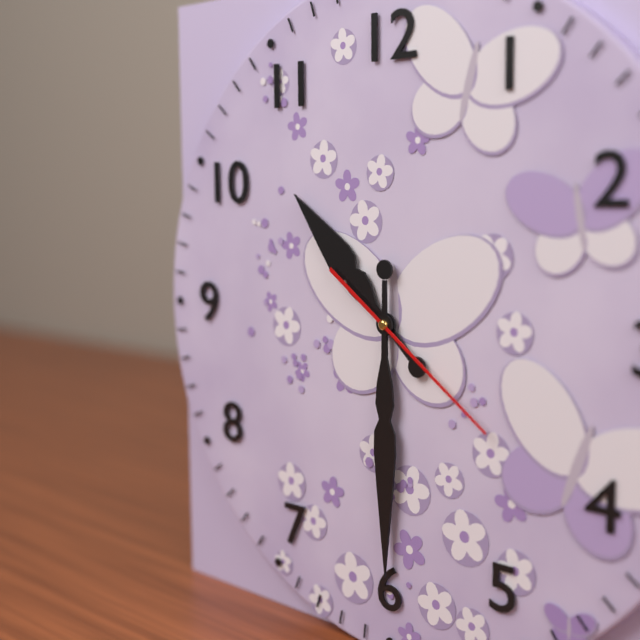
10h30m21s
